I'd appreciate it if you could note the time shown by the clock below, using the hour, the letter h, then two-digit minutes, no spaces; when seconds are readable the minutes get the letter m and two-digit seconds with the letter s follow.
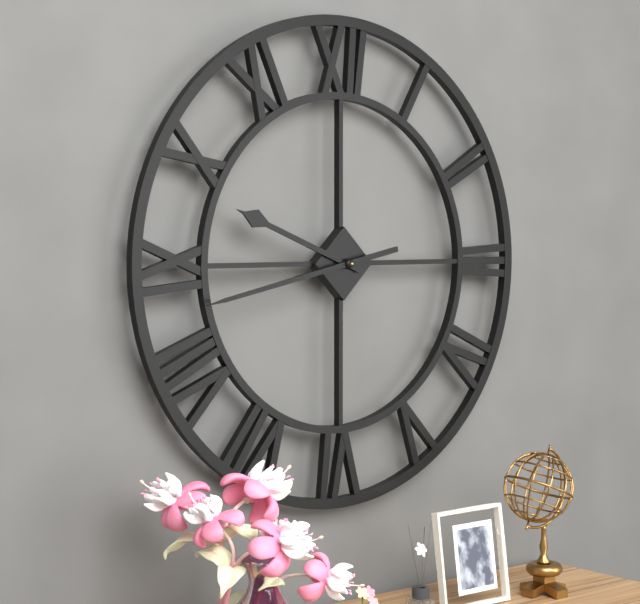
9h43
